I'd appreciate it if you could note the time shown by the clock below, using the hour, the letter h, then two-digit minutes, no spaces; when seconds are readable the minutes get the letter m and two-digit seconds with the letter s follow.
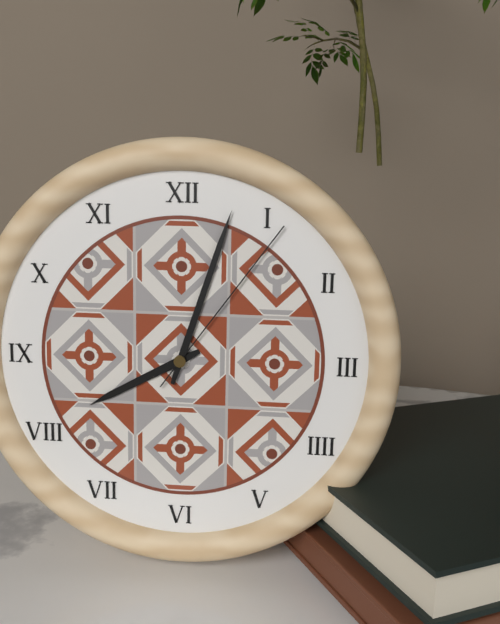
8h03m06s
